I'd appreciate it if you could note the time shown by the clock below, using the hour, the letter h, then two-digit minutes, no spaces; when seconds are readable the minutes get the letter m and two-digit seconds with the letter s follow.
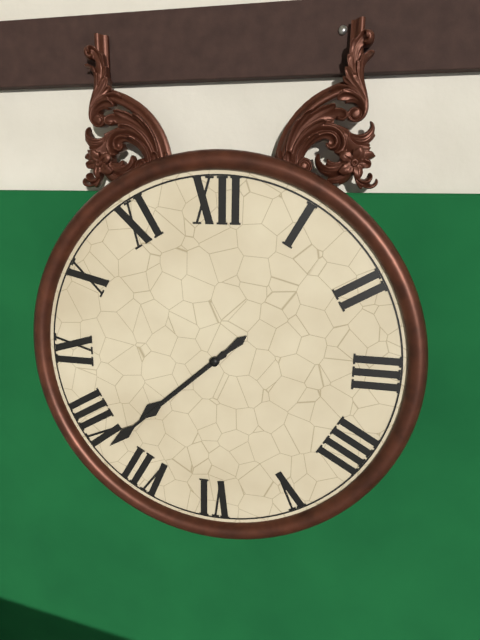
7h38
